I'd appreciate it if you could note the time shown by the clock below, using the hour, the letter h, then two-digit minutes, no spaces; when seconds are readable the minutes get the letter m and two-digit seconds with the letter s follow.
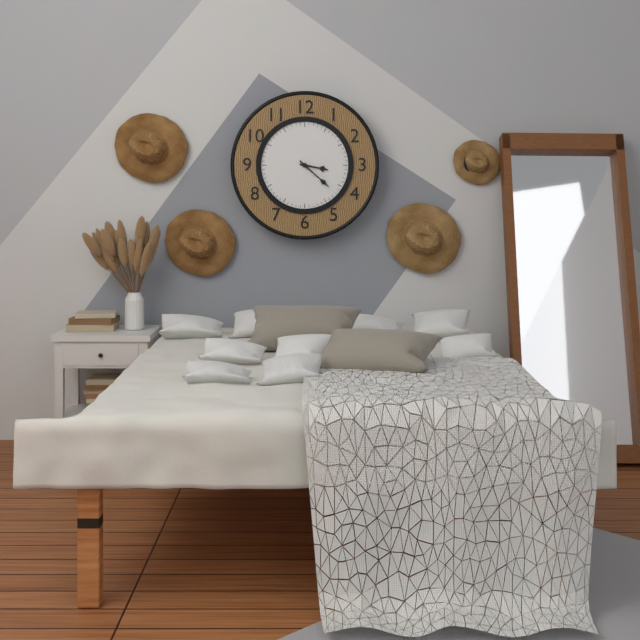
3h22
